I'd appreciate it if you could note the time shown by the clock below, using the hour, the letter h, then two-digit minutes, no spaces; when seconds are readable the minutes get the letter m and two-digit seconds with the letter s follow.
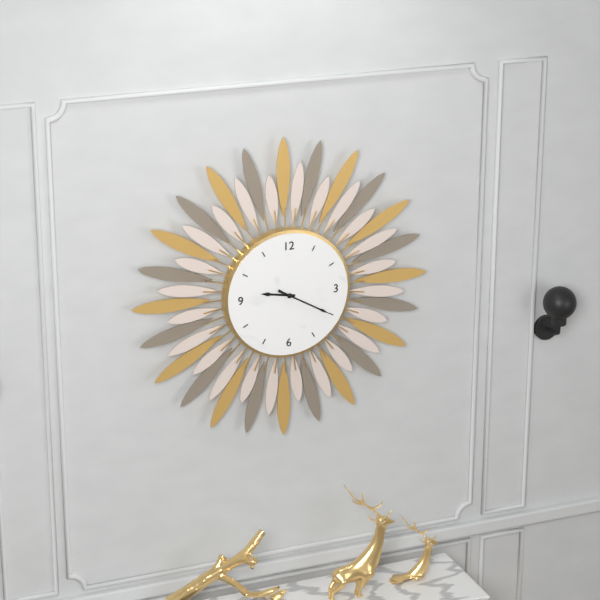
9h20
